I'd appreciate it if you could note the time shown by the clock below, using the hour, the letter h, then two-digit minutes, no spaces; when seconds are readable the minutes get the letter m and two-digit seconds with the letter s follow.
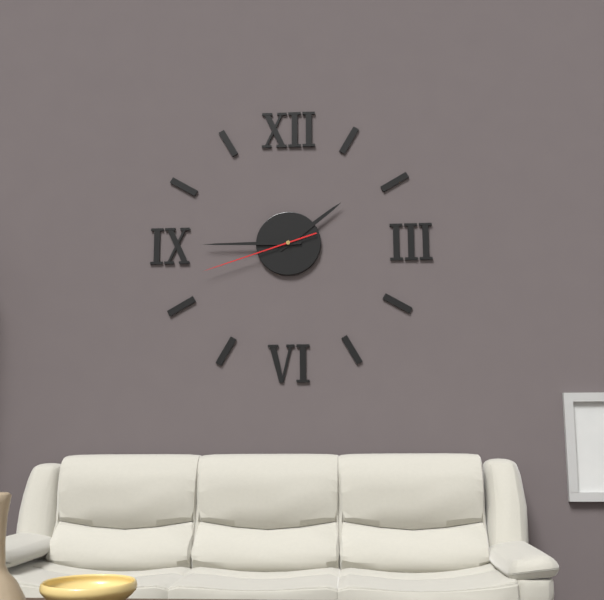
1h45m42s
